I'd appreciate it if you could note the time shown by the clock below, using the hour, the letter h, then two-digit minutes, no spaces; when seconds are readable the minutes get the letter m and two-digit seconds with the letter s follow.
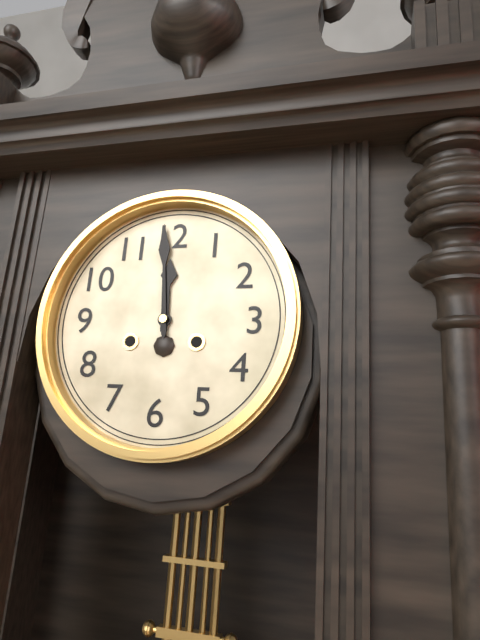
11h59
